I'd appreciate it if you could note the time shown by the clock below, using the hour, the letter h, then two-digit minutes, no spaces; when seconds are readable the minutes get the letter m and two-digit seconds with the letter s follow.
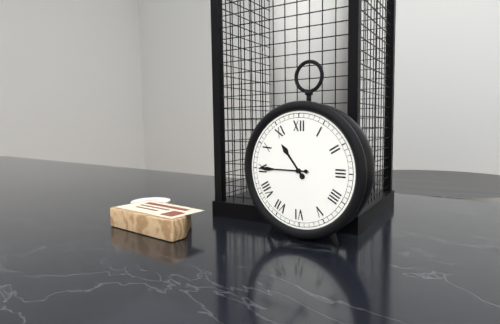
10h45
